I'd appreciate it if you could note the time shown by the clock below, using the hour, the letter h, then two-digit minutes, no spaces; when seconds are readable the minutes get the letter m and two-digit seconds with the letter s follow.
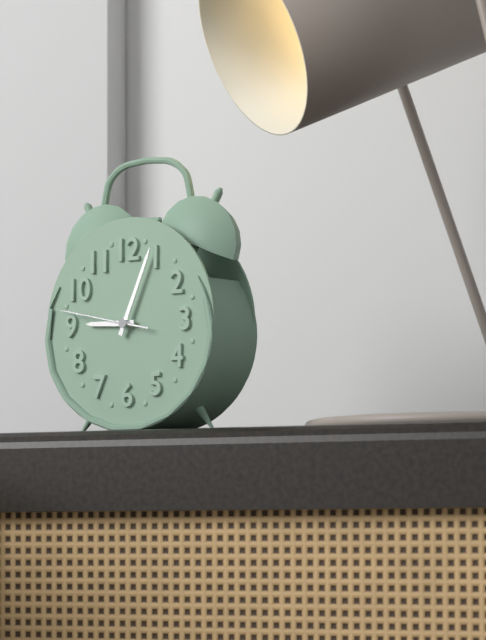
9h04m47s
